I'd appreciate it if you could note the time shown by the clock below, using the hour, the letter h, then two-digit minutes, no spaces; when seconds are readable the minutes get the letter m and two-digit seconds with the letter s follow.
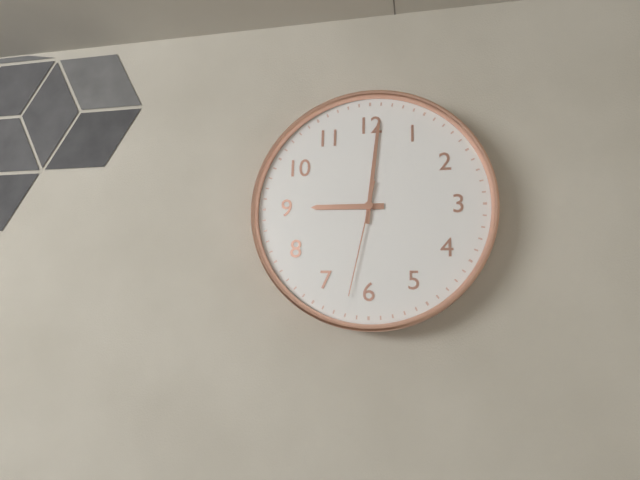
9h01m32s
